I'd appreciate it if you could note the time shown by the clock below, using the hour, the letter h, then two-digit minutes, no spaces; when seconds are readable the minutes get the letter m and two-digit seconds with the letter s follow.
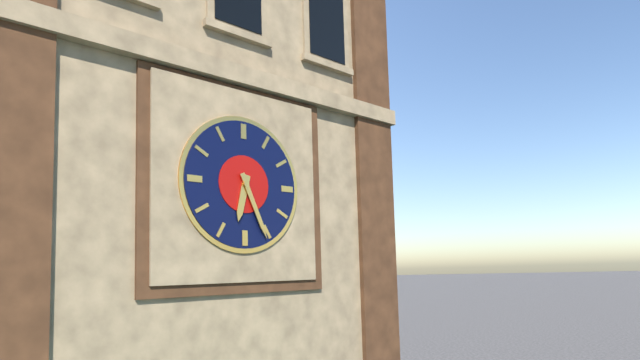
6h26
